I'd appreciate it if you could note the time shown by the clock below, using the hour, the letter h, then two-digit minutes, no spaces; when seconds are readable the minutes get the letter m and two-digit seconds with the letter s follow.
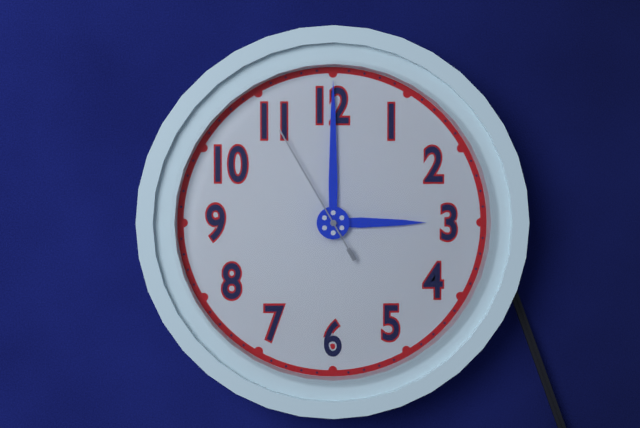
3h00m55s
